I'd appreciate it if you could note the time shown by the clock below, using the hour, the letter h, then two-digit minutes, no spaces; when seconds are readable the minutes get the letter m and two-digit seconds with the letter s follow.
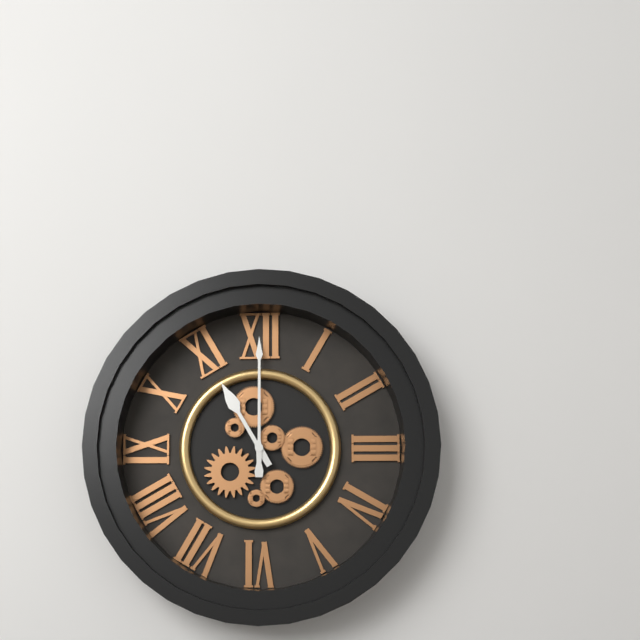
11h00
